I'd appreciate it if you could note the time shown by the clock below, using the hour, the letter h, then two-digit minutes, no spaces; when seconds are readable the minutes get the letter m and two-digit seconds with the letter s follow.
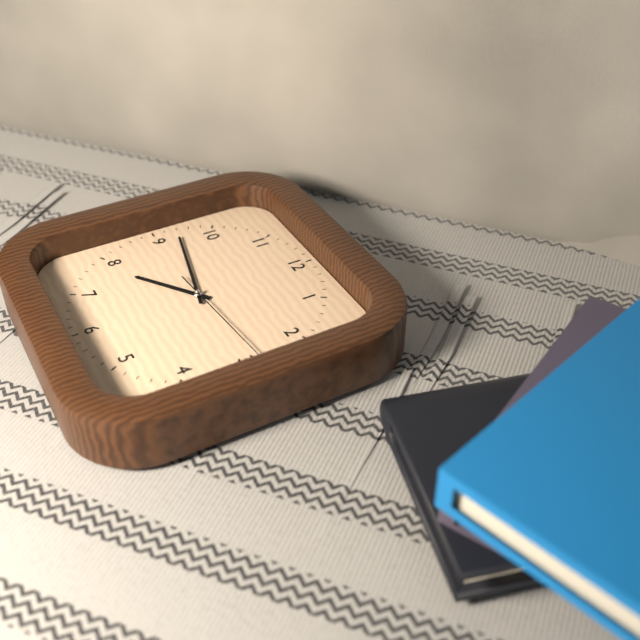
7h47m14s
